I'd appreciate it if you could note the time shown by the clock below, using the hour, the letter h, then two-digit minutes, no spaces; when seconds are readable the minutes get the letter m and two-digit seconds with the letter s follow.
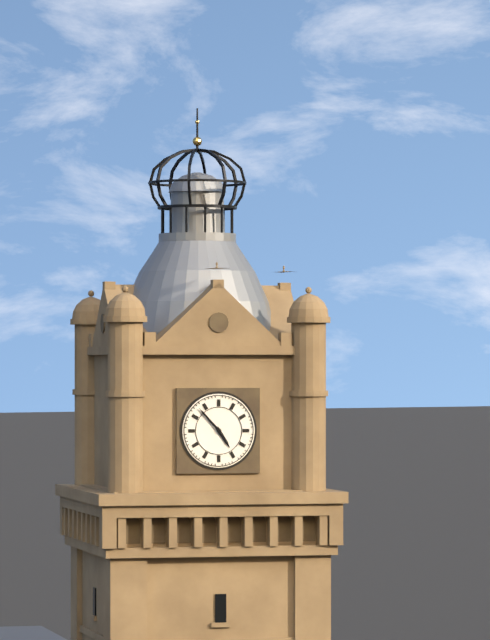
4h53
